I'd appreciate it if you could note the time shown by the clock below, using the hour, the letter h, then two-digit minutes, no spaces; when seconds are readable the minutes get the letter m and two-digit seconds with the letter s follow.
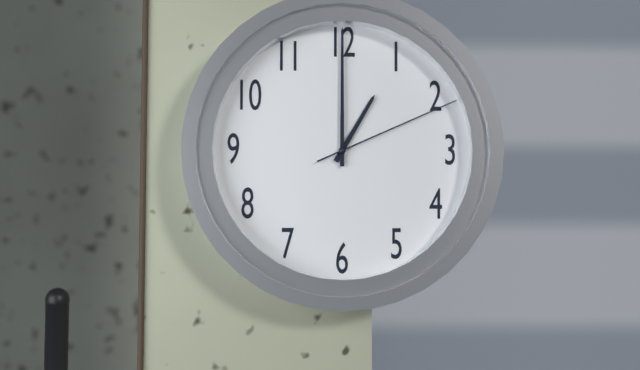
1h00m11s
